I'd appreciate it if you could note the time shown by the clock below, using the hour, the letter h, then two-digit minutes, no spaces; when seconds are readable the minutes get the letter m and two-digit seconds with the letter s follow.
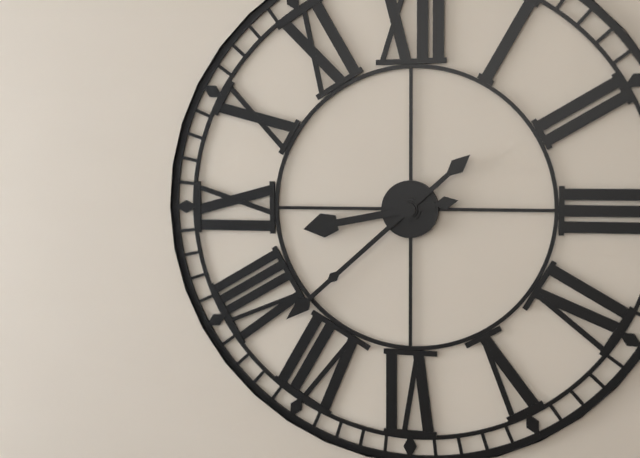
8h38
